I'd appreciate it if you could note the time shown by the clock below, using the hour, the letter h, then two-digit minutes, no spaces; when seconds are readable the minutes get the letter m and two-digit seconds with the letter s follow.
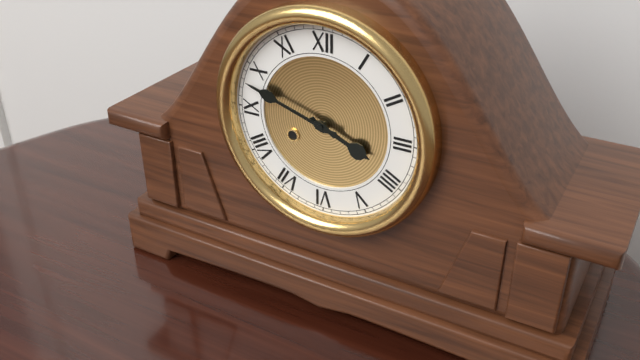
3h48
